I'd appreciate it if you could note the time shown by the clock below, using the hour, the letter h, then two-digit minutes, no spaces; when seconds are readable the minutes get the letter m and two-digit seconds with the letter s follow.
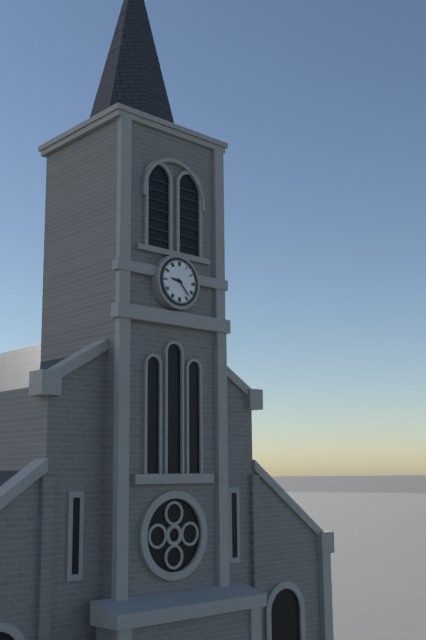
9h23
